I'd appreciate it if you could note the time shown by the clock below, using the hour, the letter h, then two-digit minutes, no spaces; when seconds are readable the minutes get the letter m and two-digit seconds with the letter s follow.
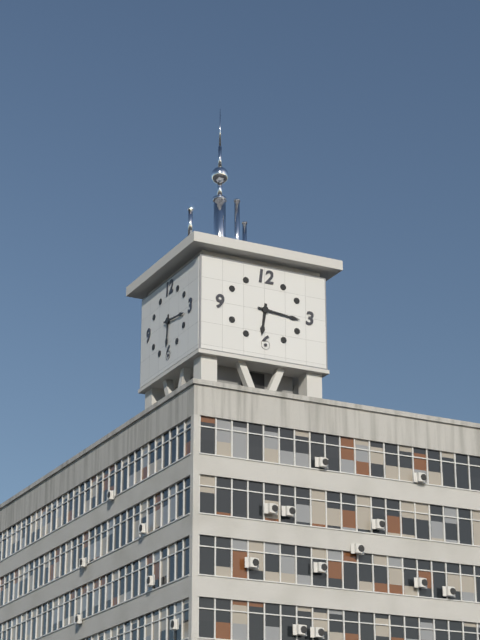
6h16
